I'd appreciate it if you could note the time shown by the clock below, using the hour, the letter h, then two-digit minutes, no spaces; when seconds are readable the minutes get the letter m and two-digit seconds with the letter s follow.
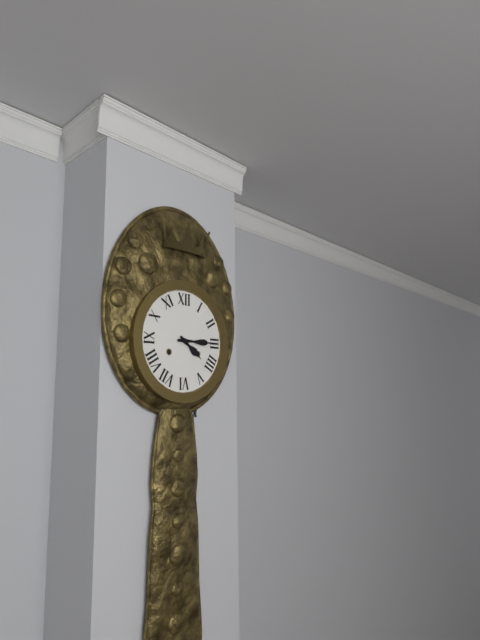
4h15
